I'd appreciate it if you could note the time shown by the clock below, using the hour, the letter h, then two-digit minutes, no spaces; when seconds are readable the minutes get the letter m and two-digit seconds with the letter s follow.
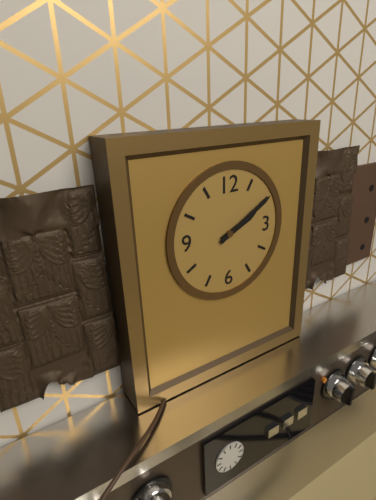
2h10
